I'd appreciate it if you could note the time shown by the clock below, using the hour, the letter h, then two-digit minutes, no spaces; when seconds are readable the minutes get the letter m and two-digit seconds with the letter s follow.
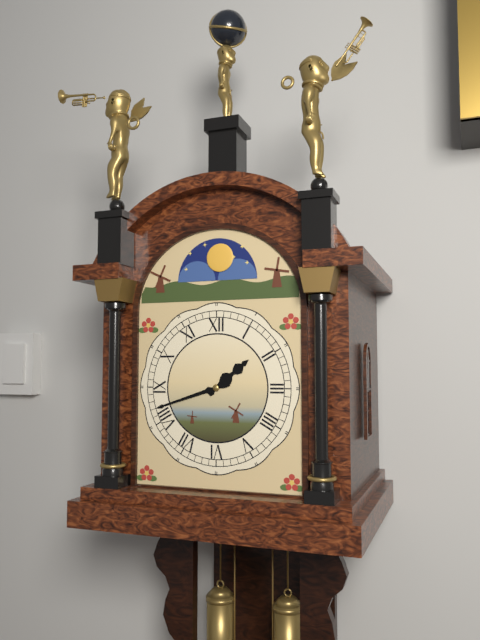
1h42
